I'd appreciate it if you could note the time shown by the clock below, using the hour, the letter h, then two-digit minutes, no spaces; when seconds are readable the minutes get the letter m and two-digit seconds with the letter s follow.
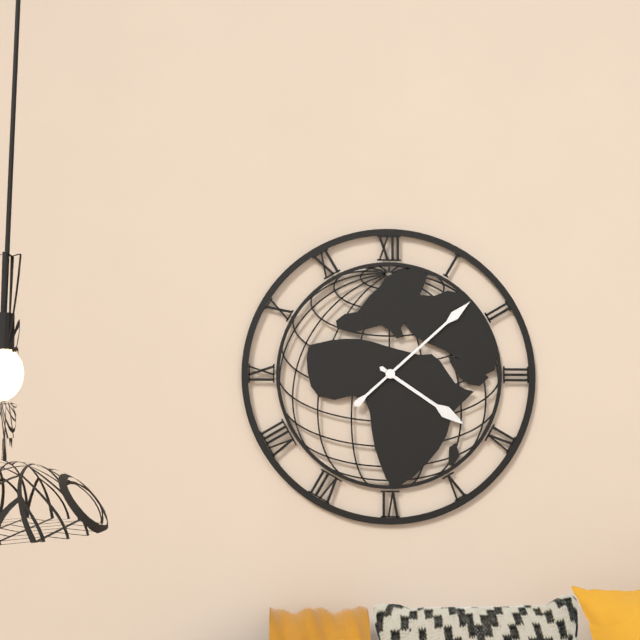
4h08
